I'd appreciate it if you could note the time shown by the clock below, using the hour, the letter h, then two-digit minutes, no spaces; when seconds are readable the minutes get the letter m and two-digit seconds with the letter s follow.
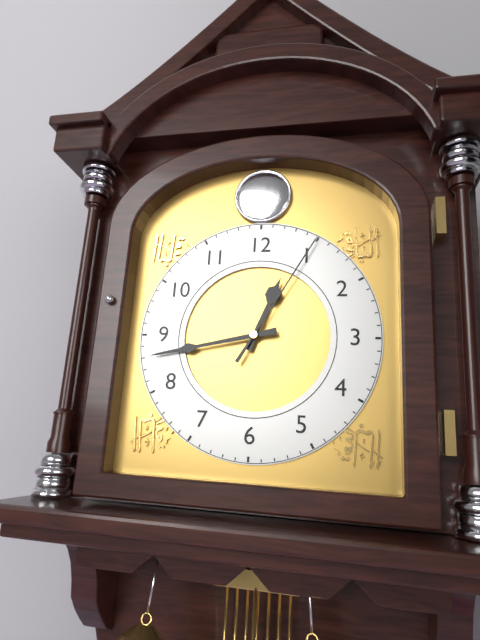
12h43m05s
